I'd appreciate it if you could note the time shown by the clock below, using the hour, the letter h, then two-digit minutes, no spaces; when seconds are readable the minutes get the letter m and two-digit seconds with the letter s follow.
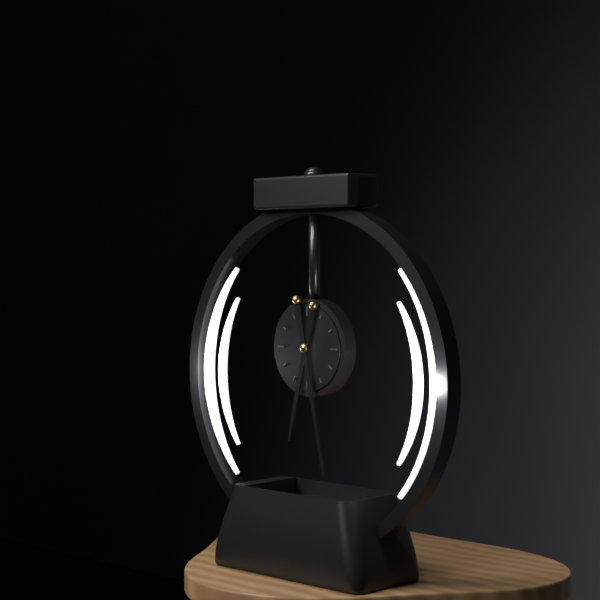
6h28
